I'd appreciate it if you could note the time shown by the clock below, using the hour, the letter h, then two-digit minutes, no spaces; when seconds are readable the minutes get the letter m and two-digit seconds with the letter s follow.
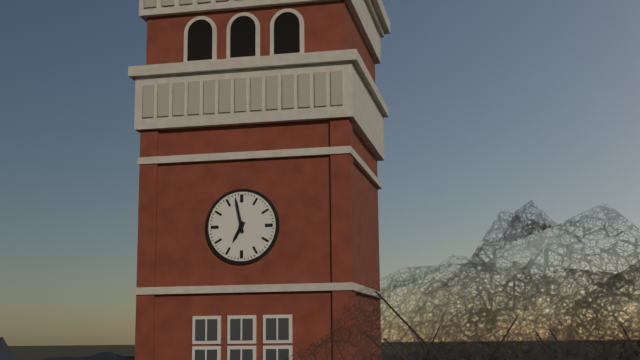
6h58
